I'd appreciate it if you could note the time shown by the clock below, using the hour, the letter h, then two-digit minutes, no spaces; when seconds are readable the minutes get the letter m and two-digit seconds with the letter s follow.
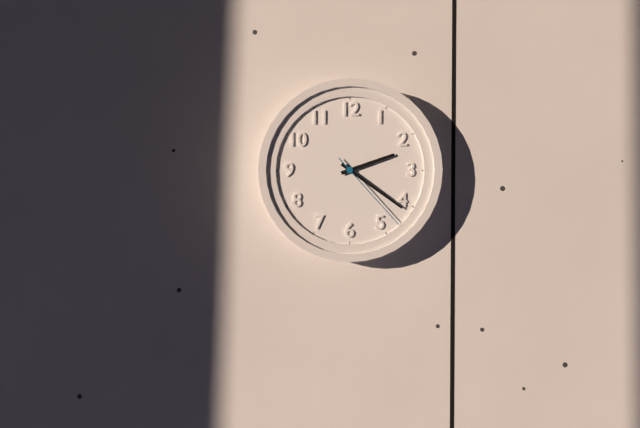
2h21m23s
